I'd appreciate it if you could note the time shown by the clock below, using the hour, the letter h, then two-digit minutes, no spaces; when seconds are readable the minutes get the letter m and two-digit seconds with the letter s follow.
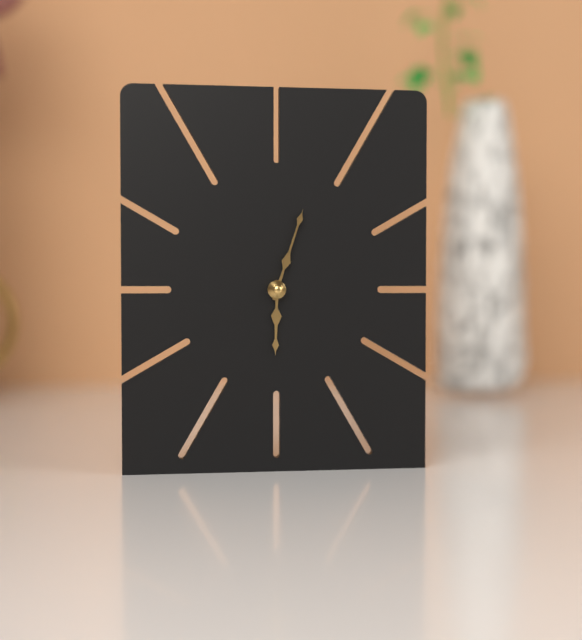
6h03
